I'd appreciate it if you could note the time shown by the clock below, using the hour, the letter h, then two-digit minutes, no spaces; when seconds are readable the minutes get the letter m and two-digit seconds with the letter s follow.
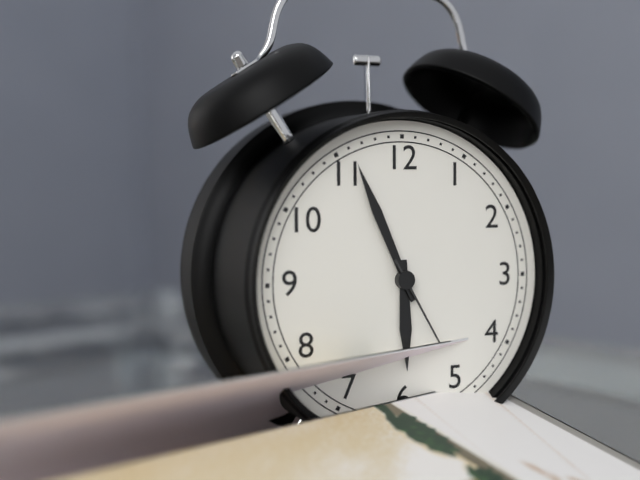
5h56m25s
